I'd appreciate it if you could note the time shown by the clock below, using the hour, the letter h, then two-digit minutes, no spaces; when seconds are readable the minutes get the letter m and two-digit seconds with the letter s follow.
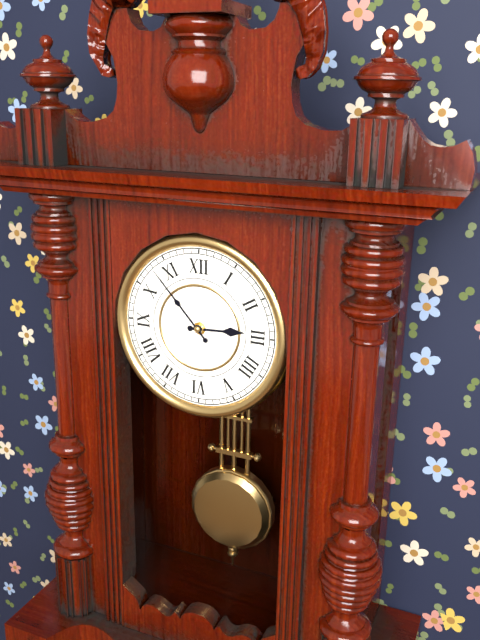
2h53
